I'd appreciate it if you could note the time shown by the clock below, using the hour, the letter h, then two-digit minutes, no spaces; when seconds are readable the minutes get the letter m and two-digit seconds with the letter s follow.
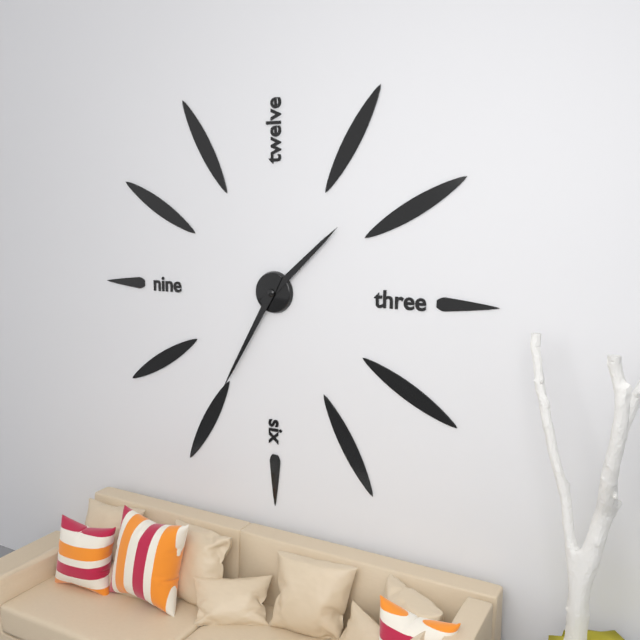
1h35
